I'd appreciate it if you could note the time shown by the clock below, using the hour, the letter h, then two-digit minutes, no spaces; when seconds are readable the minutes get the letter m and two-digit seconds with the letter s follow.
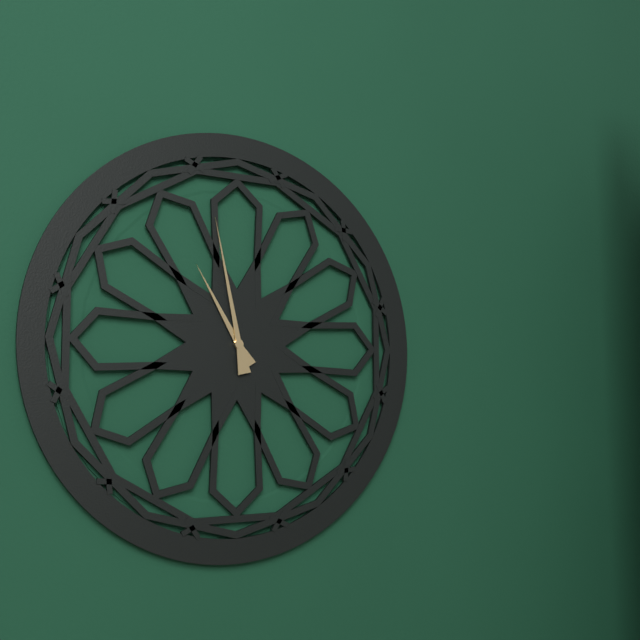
10h58
